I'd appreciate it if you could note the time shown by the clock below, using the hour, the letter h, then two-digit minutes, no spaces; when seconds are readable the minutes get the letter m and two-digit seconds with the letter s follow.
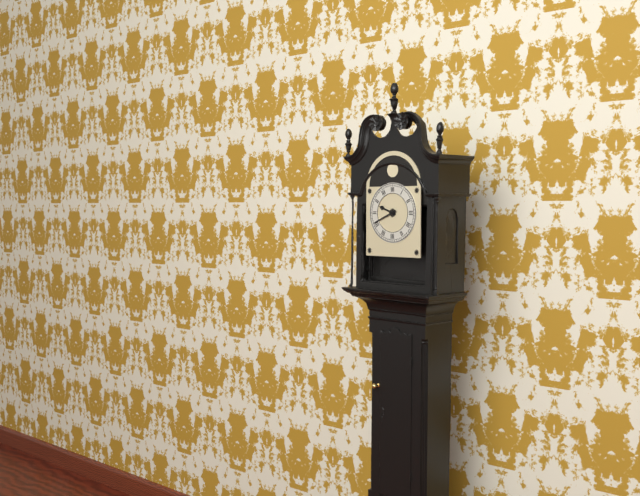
9h41
